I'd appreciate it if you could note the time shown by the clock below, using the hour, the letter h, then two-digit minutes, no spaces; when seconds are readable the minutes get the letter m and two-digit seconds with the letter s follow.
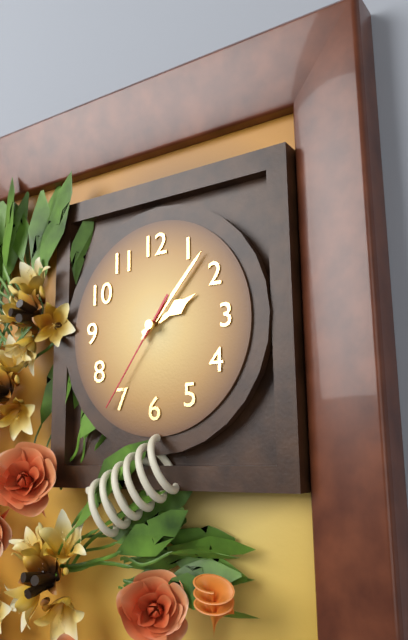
2h07m36s
